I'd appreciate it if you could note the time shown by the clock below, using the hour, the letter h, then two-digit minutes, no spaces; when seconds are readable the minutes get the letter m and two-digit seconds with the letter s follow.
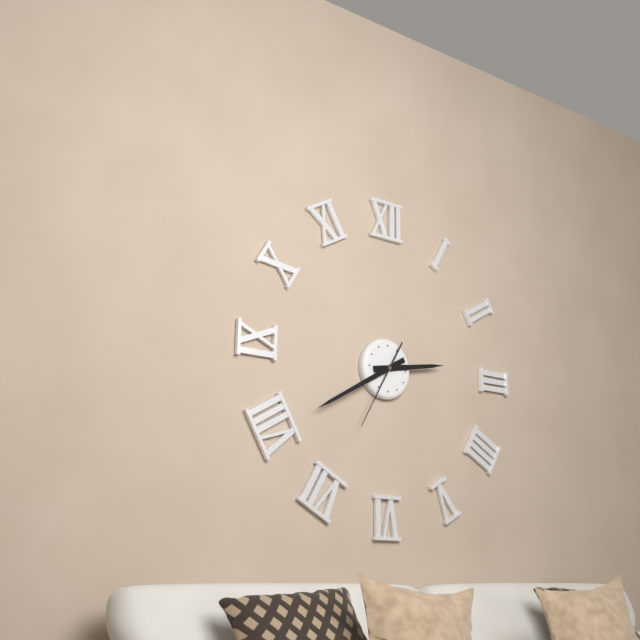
2h40m35s
